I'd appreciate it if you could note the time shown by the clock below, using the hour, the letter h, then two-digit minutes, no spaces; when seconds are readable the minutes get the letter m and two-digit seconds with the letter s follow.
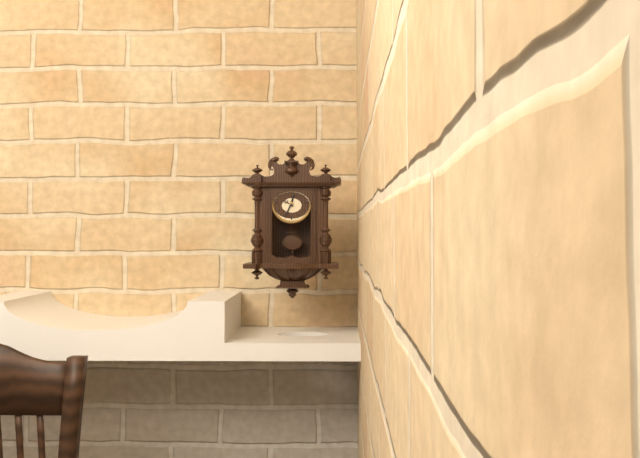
12h34
